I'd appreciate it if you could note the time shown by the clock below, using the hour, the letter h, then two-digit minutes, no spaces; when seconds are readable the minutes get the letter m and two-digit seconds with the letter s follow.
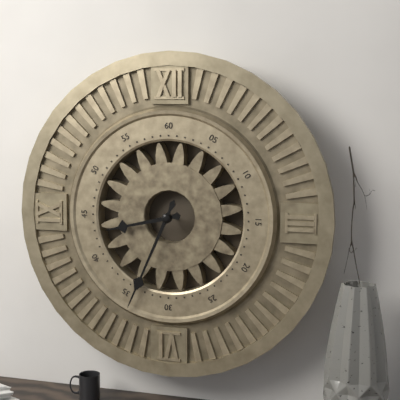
8h34
